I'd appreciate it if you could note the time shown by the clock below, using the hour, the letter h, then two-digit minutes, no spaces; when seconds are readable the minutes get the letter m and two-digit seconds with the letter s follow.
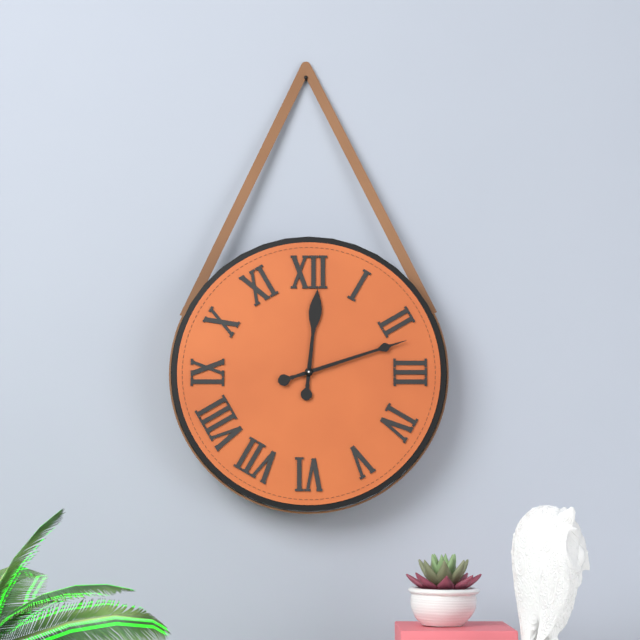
12h12
